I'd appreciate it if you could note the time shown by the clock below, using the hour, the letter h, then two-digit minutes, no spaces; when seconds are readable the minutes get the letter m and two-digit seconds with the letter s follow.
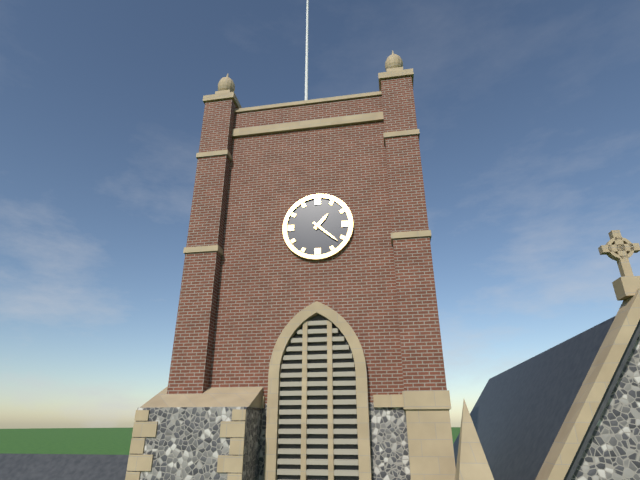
1h22
